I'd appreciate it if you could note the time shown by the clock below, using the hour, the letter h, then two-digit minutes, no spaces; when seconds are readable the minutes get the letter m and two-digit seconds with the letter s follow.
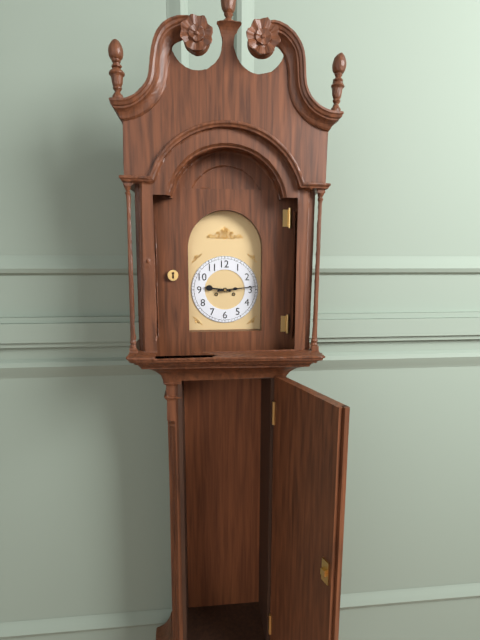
9h14
